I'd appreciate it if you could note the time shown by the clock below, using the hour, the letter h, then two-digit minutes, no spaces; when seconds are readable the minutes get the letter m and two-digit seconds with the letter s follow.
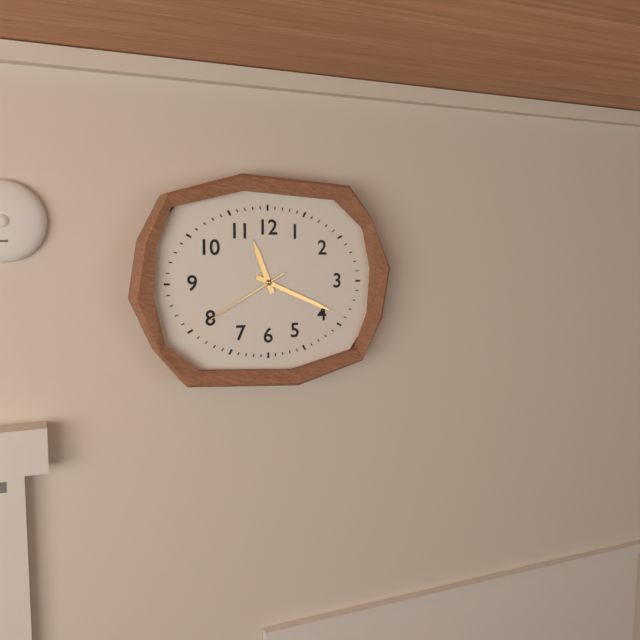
11h19m40s
